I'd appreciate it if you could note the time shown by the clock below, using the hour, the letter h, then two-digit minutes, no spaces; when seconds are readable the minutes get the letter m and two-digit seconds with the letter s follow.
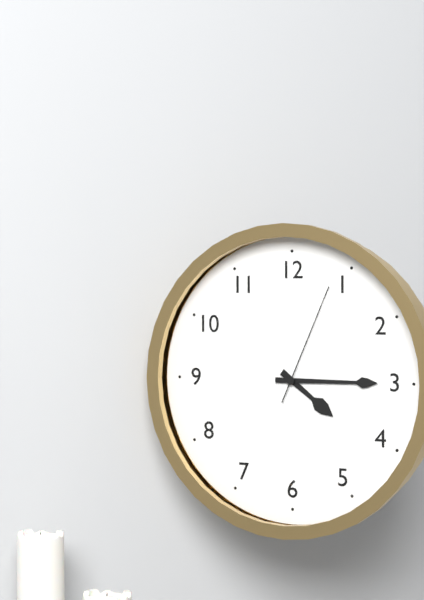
4h15m04s
